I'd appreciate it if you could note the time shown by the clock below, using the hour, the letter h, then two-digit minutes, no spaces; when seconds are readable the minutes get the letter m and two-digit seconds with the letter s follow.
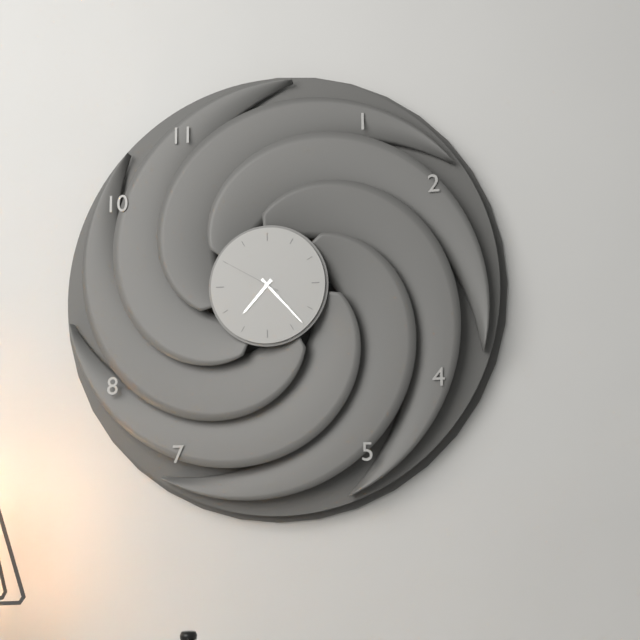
7h23m50s
